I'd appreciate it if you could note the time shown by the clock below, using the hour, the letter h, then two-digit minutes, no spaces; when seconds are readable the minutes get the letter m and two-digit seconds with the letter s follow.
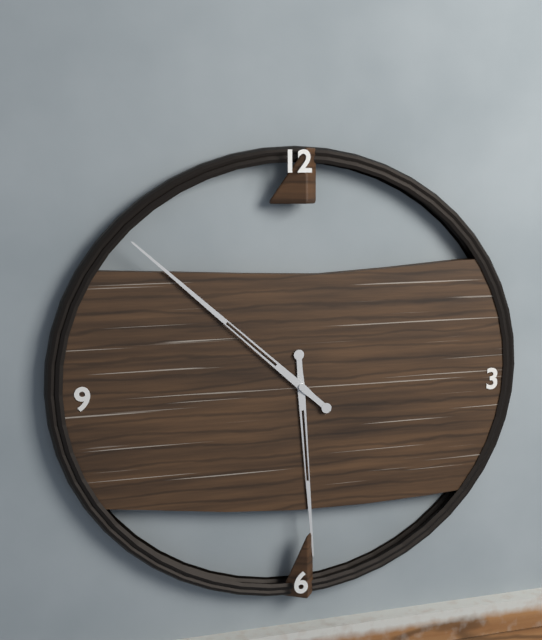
5h52
